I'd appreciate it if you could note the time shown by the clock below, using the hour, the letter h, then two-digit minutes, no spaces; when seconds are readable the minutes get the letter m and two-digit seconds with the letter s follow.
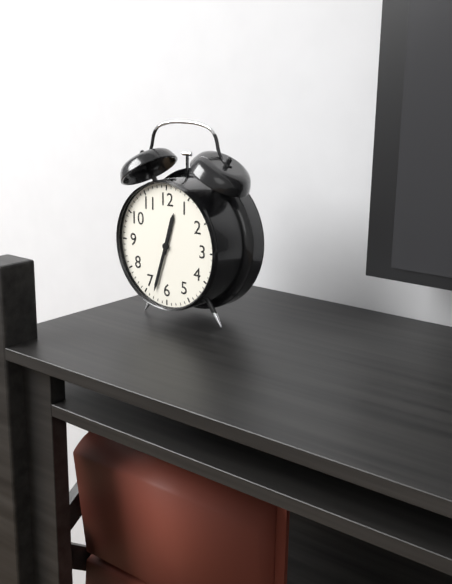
12h33
